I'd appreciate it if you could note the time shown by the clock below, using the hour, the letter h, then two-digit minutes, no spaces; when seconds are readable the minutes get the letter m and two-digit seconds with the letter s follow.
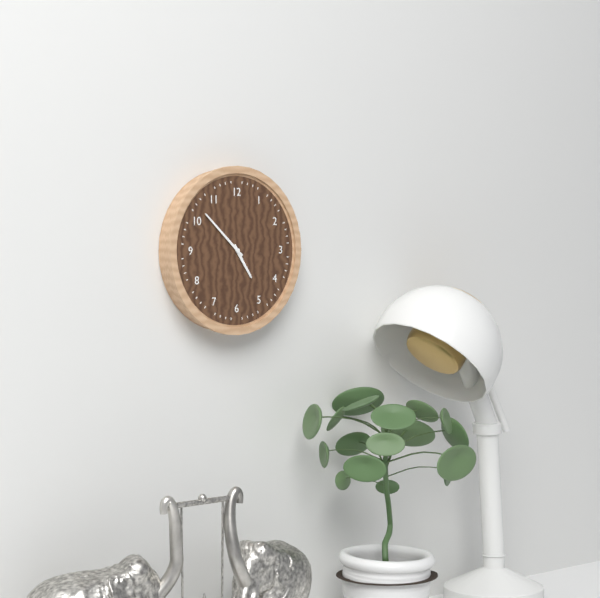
4h52
